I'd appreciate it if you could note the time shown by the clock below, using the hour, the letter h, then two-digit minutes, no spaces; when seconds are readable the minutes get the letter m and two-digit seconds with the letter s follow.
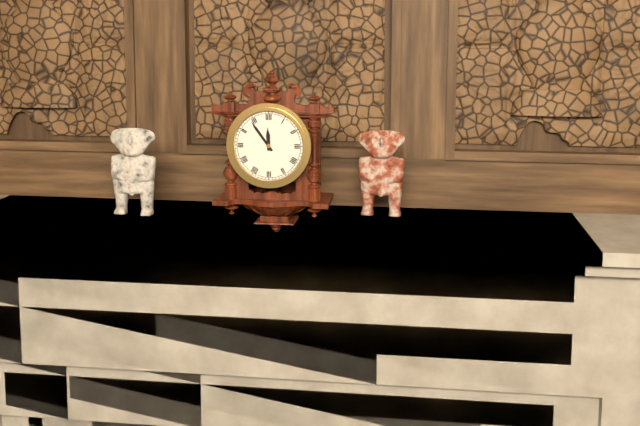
11h54
